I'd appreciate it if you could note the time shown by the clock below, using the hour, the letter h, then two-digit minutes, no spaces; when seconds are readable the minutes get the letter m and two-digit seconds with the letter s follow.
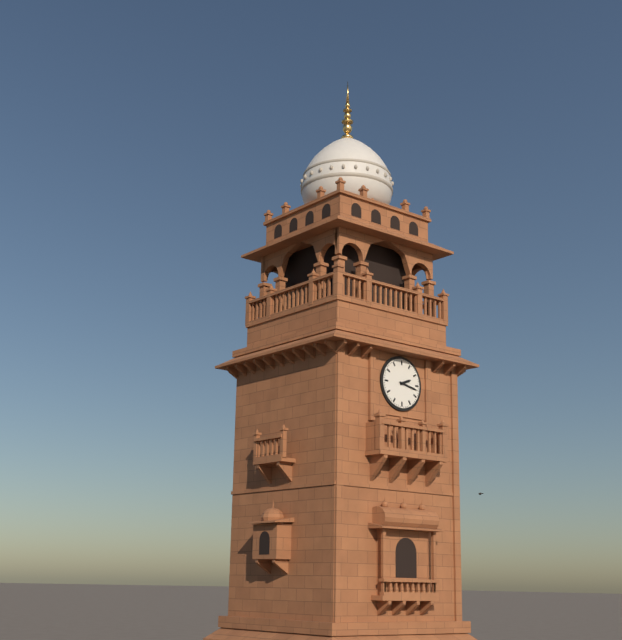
2h17
